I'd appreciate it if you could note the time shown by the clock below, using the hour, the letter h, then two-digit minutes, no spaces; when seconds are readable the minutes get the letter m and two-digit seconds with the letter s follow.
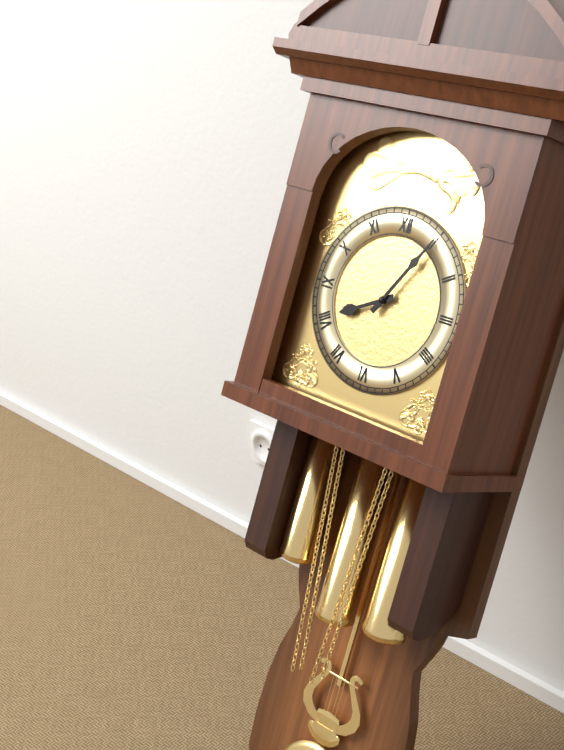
8h05
